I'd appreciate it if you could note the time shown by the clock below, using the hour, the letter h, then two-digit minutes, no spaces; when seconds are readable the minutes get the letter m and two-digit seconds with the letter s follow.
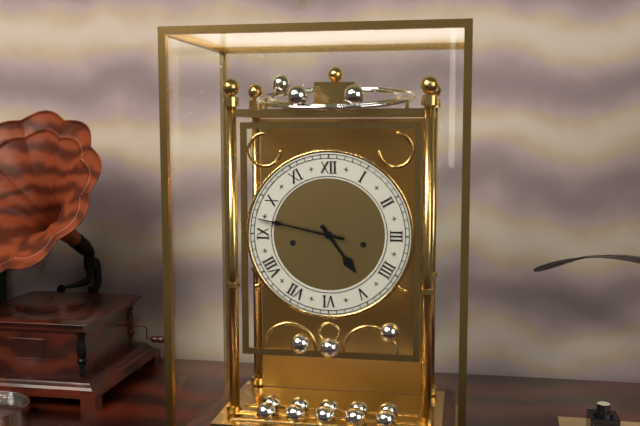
4h47
